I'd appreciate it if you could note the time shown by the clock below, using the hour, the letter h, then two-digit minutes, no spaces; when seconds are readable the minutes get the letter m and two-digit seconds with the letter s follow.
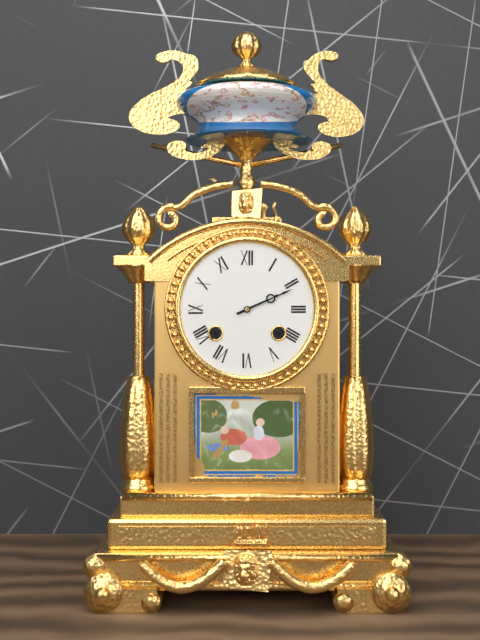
2h11
